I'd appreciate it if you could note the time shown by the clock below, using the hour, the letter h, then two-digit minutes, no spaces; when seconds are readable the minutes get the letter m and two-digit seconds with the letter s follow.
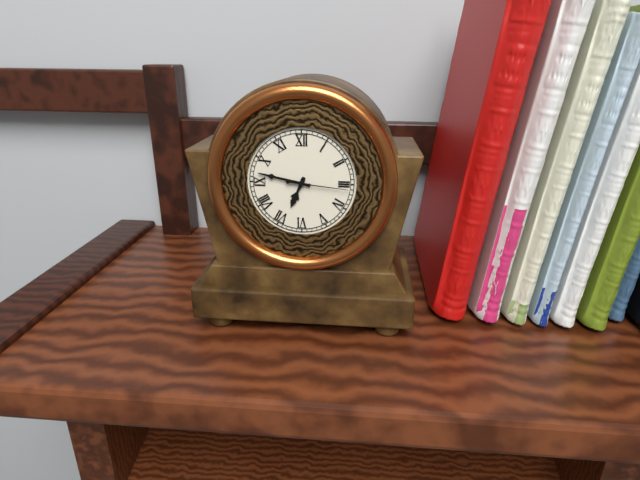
6h47m16s
